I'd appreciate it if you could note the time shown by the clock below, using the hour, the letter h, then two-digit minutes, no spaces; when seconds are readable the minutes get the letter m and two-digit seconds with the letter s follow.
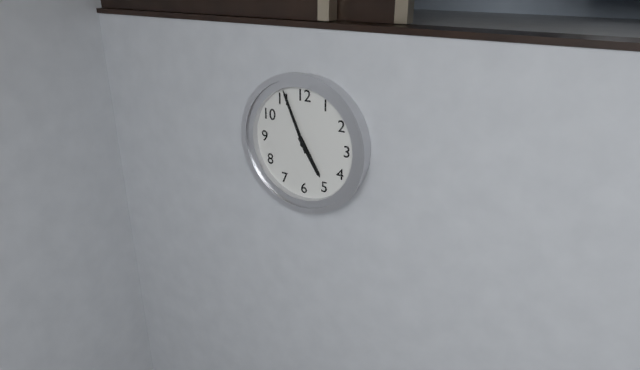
4h56
